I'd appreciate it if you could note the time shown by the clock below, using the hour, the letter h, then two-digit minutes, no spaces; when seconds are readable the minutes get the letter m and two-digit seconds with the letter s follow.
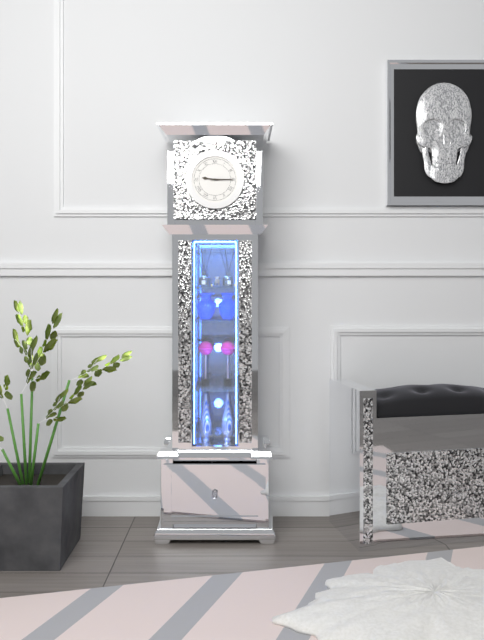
9h15
